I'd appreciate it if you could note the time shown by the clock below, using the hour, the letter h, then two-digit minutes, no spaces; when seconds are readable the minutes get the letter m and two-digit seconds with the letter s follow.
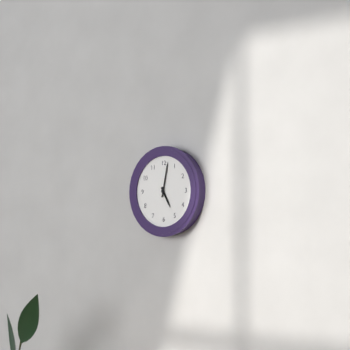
5h02
